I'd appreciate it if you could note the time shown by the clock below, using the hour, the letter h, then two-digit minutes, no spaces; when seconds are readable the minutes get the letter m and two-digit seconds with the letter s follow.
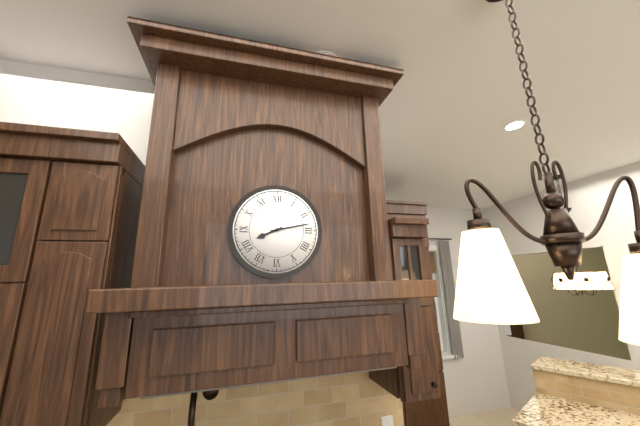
8h13
